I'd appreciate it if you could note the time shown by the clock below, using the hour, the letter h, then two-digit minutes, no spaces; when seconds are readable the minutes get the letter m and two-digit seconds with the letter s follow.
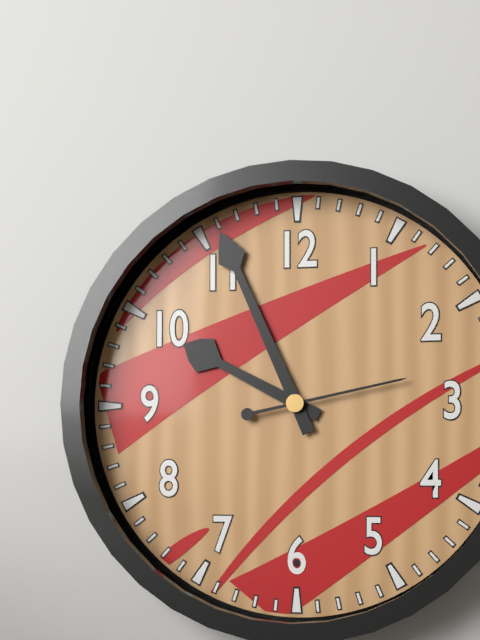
9h56m13s
